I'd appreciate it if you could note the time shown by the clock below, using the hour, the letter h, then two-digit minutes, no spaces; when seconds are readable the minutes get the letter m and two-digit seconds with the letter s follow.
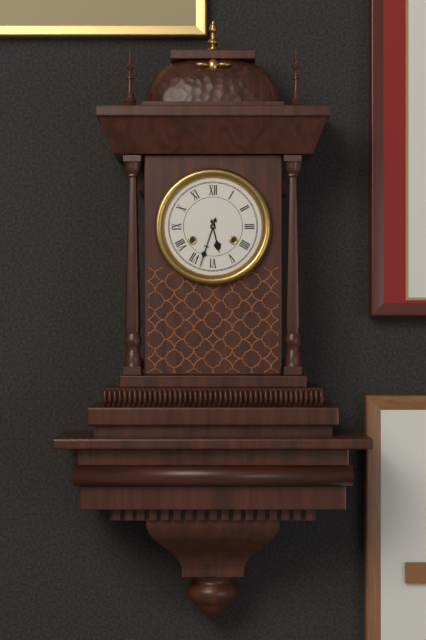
5h33
